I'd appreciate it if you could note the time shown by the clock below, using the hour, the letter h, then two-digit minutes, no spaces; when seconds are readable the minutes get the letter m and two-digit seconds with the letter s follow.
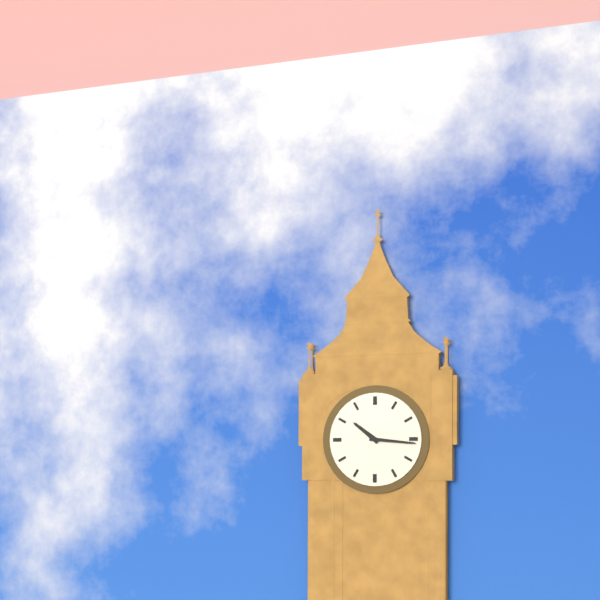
10h16
